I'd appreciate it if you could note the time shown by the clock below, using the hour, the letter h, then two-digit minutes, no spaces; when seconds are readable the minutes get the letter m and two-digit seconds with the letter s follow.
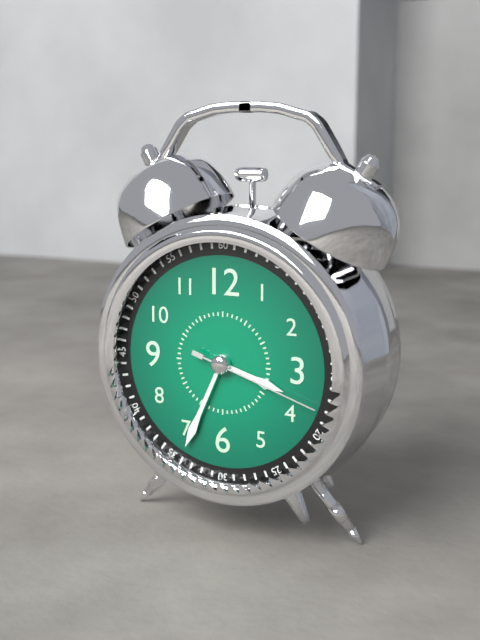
3h34m18s
